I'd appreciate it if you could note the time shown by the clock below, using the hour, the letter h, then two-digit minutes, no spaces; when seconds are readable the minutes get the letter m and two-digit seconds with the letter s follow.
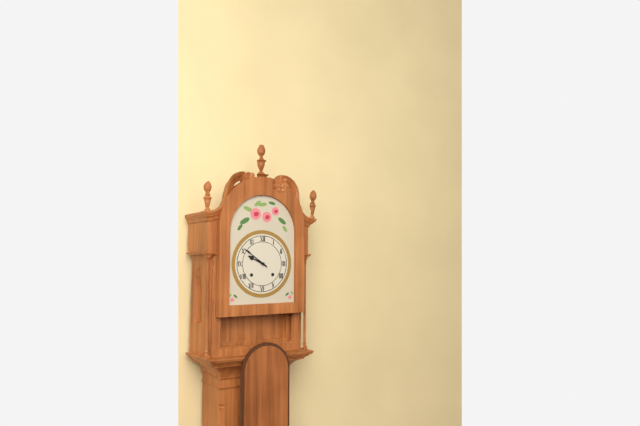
9h51
